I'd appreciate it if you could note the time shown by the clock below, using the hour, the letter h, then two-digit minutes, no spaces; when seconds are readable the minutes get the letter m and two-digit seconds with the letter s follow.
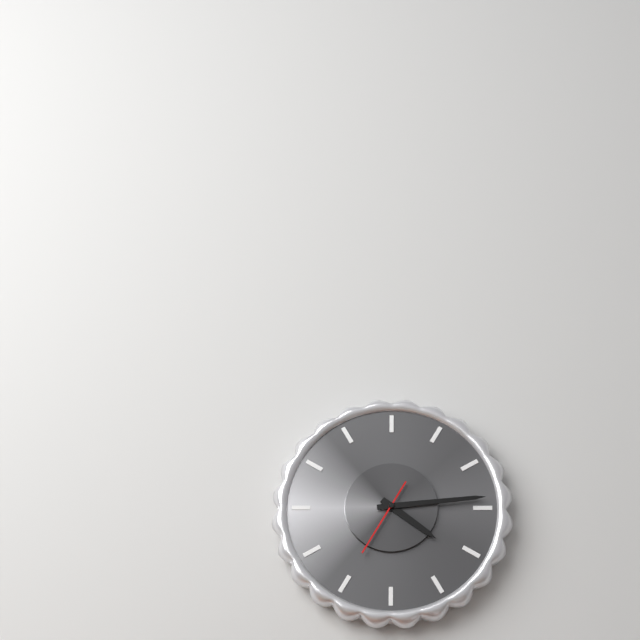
4h14m35s
